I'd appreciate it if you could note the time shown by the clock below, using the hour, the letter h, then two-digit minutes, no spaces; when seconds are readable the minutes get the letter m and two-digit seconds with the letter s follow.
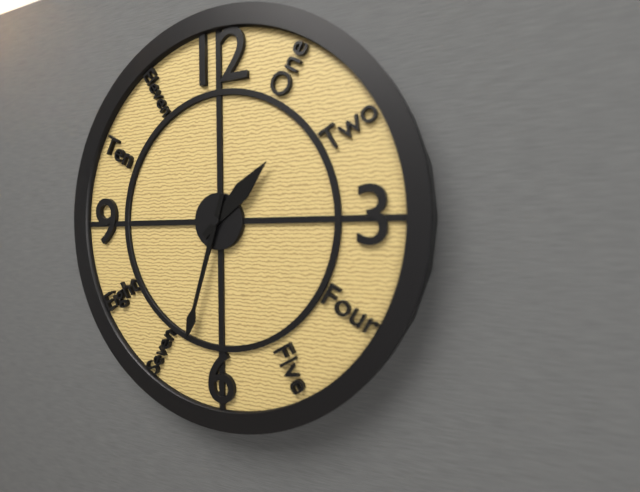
1h33
